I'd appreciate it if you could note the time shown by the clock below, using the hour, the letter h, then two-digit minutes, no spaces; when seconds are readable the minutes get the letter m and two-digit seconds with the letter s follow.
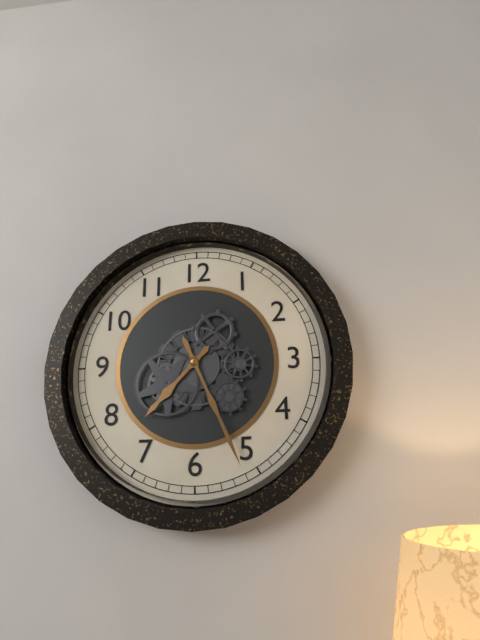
7h26
